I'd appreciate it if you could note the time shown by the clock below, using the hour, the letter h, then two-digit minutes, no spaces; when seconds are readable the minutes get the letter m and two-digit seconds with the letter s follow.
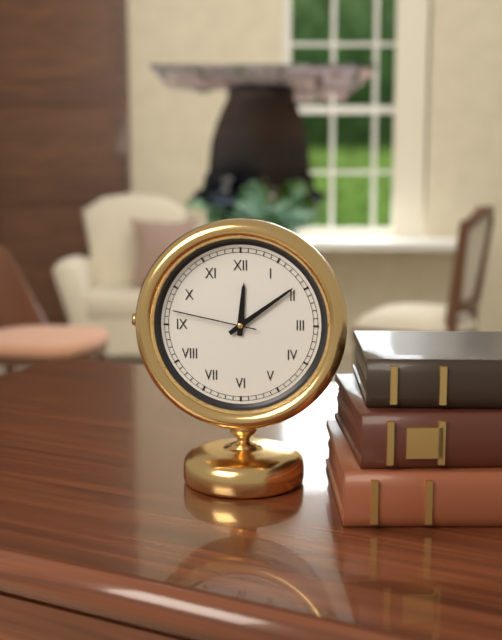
12h09m47s
